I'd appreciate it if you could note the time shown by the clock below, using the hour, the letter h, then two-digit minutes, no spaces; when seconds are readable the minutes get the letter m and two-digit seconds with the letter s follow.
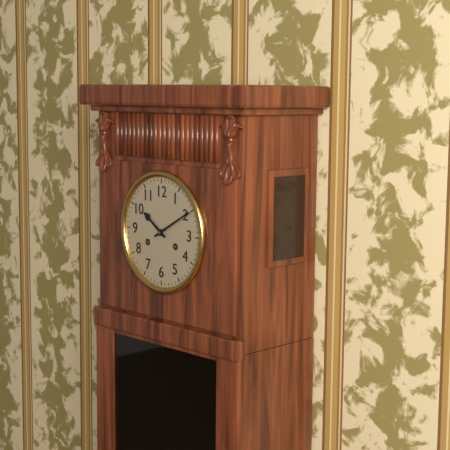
10h10
